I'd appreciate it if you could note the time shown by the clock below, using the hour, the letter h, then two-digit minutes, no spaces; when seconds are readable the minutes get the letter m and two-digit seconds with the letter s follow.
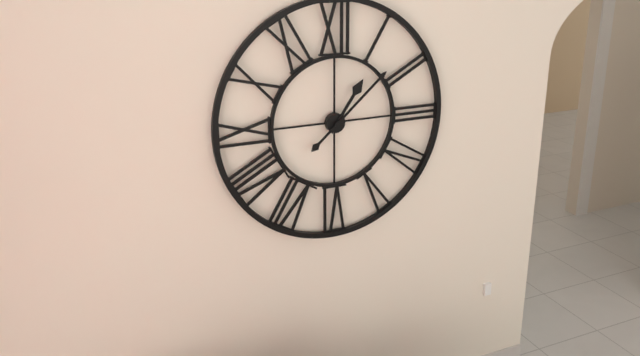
1h08
